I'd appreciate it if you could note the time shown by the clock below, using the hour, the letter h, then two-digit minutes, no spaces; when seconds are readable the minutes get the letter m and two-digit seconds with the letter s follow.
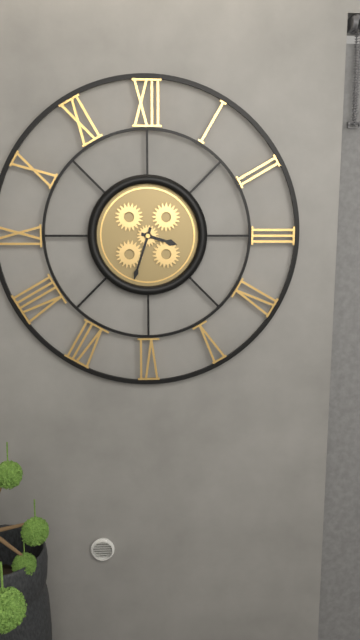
3h33
